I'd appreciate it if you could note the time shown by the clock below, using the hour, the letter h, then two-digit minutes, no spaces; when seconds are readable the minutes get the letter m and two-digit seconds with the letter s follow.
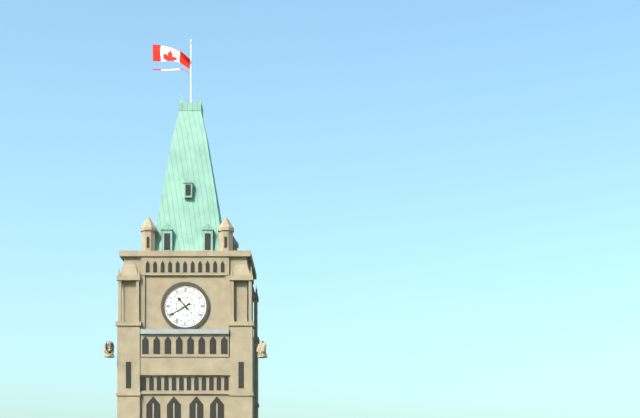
10h40
